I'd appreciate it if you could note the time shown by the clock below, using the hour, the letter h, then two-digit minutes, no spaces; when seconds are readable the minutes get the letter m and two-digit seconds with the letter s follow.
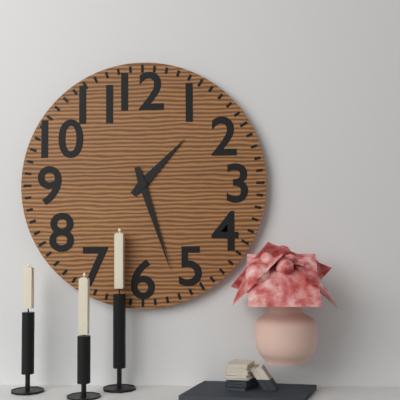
1h27
